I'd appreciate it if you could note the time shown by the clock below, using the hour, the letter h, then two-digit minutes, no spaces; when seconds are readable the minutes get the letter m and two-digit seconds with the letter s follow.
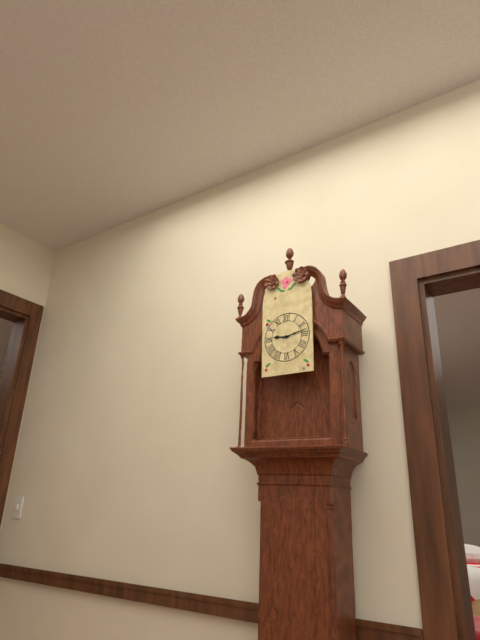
9h13
